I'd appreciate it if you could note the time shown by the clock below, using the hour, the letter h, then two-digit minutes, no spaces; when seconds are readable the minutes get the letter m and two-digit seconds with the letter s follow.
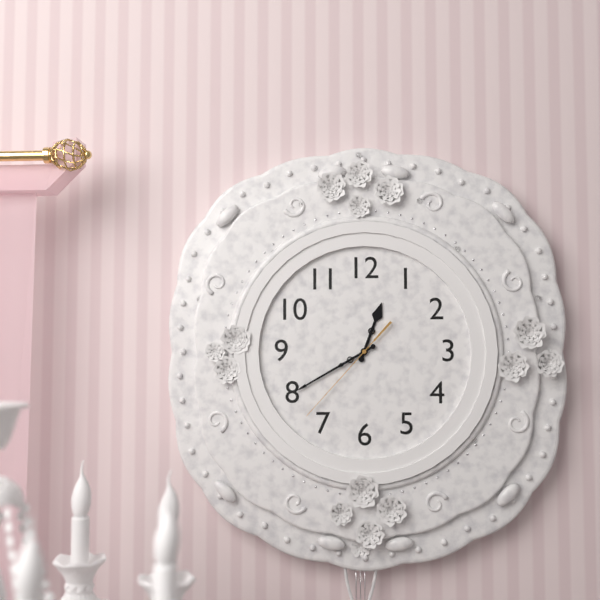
12h40m37s
